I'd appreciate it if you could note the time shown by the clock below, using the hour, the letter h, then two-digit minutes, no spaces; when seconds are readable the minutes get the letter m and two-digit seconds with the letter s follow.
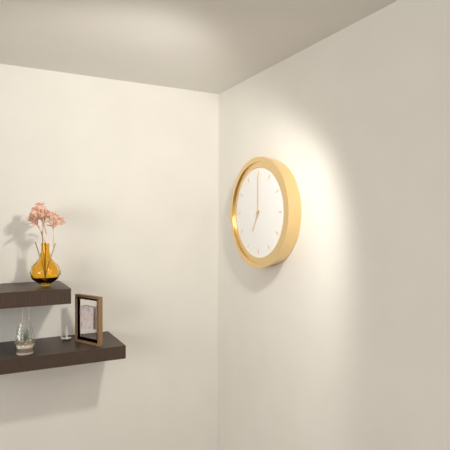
7h00
